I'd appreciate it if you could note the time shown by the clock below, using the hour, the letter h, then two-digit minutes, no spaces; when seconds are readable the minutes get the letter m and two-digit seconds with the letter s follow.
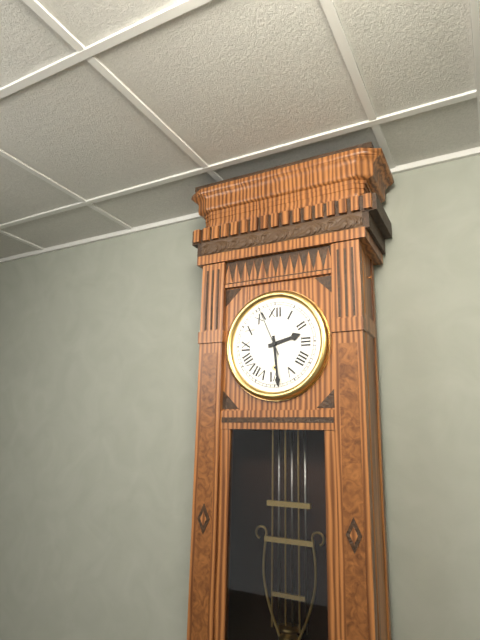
2h29m56s
